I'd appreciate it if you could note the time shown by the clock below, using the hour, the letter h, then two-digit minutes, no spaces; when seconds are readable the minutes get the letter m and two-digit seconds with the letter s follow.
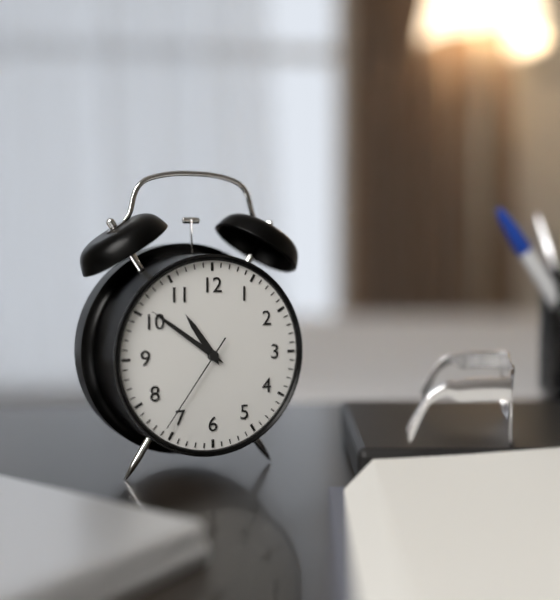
10h51m36s
